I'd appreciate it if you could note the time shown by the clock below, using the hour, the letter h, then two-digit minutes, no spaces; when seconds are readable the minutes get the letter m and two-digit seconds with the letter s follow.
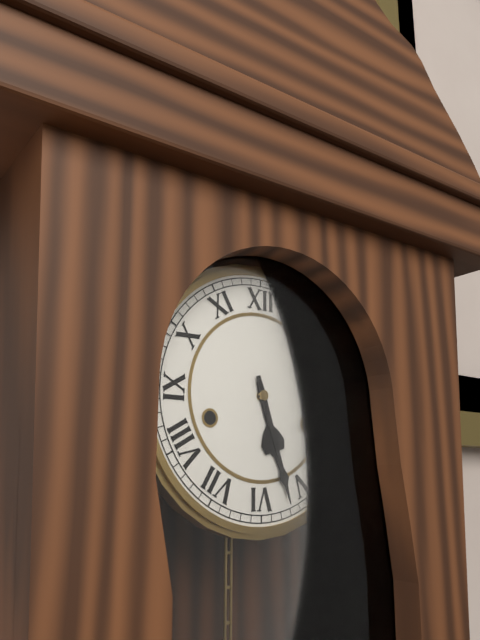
5h27
